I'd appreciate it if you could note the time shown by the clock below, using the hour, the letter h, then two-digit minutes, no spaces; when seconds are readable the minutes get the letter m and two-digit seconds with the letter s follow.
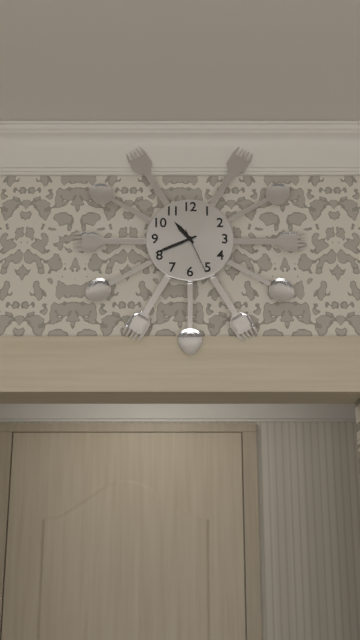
10h41
